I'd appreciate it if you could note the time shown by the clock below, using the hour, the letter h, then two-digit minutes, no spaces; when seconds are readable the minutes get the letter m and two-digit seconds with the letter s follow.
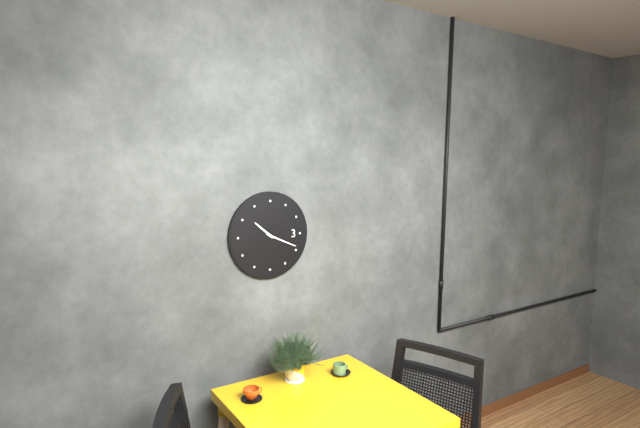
10h19
